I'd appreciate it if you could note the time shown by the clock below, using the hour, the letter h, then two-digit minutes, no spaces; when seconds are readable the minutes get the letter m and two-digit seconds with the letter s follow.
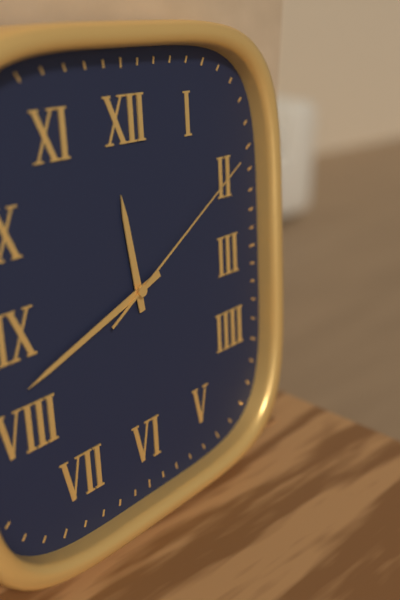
11h42m10s
